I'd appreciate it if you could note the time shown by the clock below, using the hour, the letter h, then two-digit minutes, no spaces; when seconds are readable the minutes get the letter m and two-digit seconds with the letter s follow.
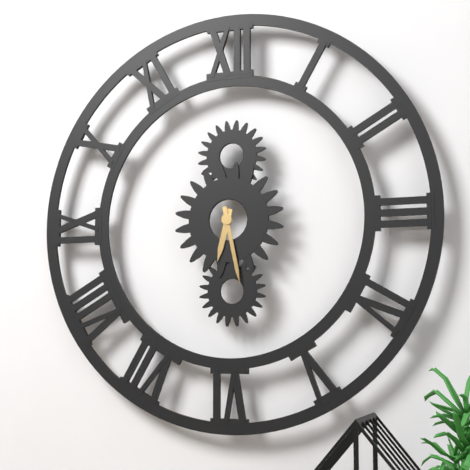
6h28
